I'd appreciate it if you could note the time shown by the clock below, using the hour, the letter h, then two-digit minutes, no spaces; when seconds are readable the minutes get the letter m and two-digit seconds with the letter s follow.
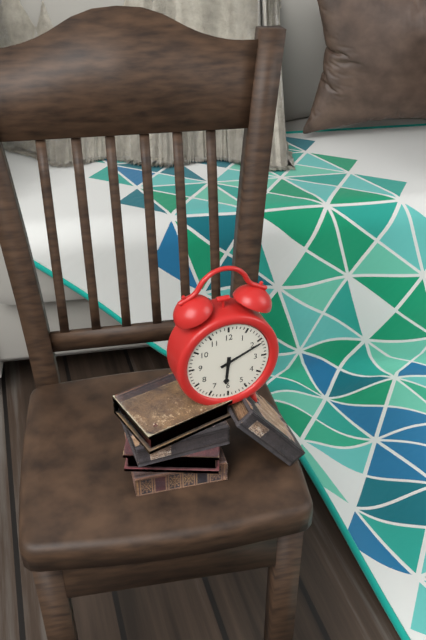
6h11
